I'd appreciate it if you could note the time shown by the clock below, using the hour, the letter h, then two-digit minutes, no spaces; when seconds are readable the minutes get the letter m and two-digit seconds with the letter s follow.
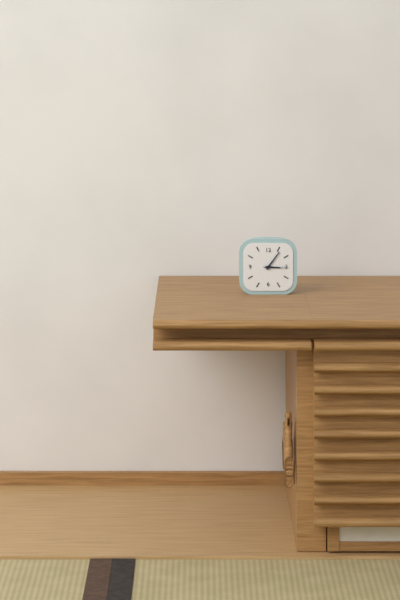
3h06
